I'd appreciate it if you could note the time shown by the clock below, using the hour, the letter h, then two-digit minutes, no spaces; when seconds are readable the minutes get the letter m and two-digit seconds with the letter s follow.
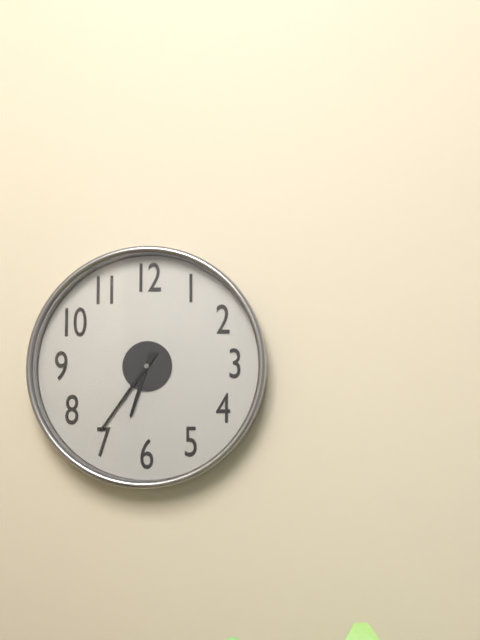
6h36
